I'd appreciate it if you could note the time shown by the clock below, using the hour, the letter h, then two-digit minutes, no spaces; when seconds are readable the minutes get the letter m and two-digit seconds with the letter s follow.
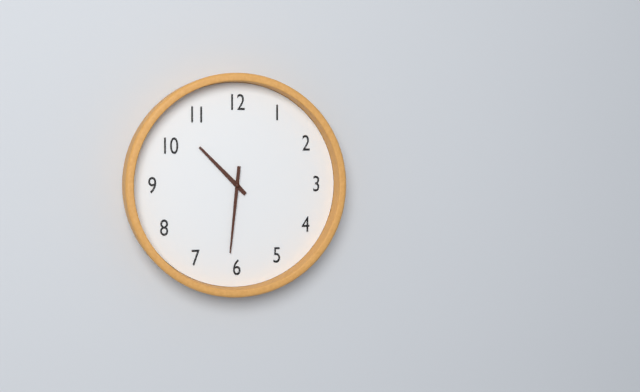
10h31
